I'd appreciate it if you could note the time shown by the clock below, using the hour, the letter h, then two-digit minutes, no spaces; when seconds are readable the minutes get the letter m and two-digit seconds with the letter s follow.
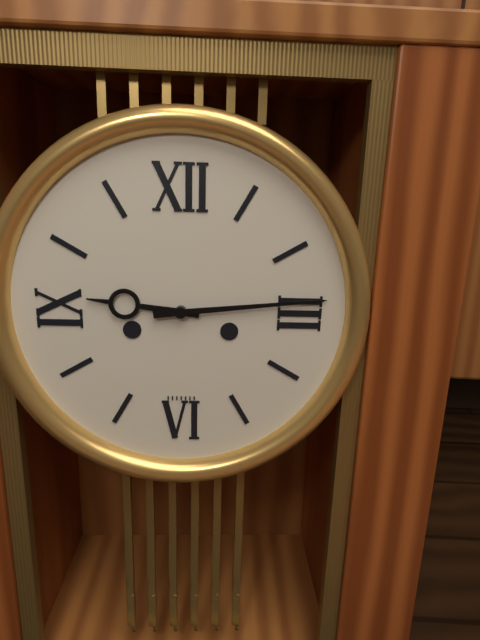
9h14
